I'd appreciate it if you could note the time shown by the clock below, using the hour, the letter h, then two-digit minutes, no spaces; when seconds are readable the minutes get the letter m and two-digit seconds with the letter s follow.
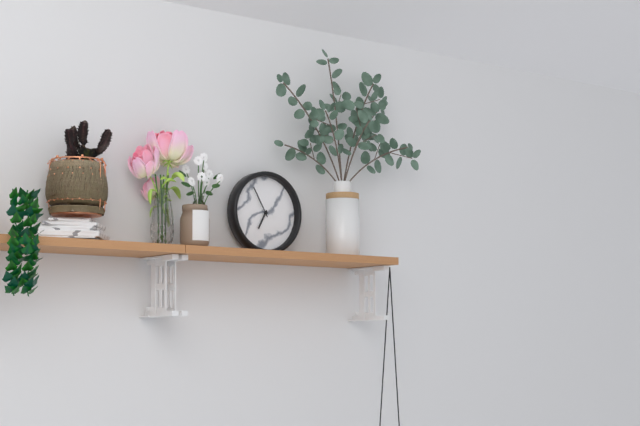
6h55
